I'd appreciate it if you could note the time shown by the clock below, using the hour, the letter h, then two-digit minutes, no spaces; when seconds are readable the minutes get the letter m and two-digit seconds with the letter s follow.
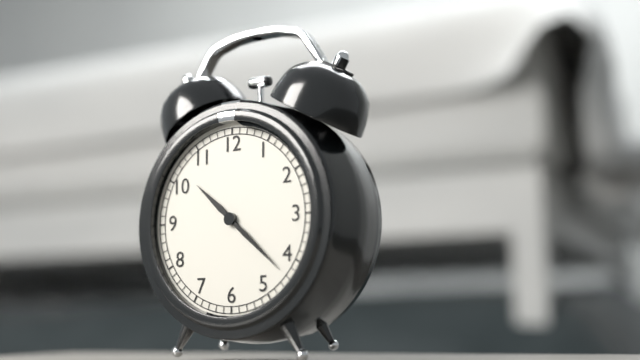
10h22
